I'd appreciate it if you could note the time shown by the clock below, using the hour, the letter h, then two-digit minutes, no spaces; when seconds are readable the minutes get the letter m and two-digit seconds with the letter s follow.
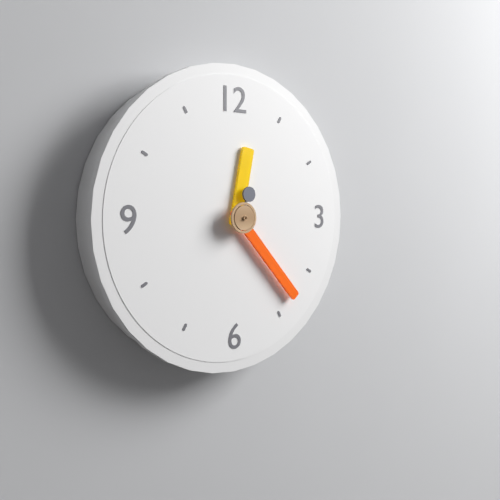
12h23
